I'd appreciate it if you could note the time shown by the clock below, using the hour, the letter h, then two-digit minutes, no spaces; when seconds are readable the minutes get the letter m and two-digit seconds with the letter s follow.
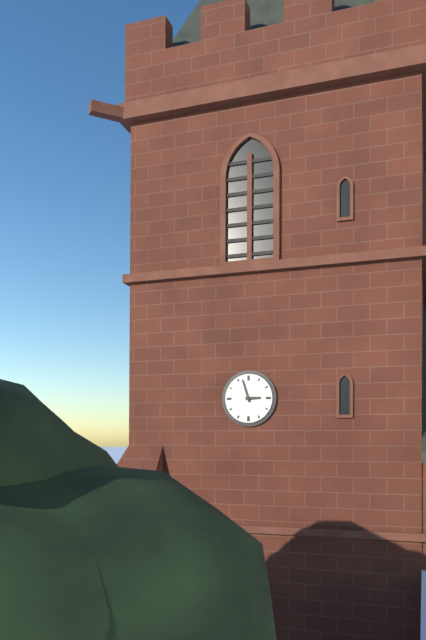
2h57
